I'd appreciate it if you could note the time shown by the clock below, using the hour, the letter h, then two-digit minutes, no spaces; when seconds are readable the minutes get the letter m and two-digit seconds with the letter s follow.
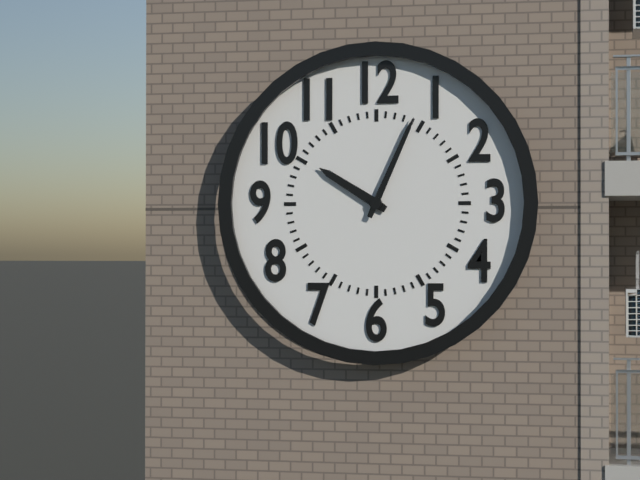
10h04
